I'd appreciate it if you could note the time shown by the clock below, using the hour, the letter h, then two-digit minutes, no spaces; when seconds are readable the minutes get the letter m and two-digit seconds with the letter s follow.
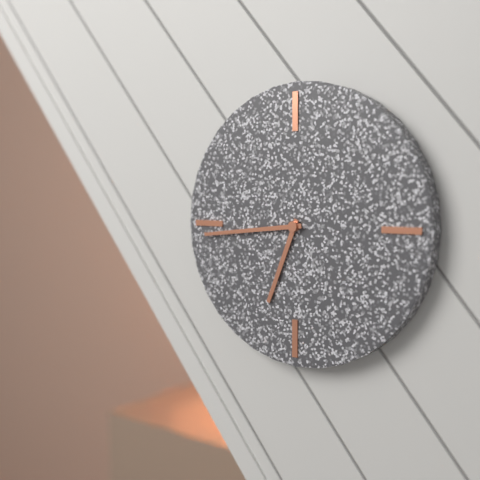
6h44
